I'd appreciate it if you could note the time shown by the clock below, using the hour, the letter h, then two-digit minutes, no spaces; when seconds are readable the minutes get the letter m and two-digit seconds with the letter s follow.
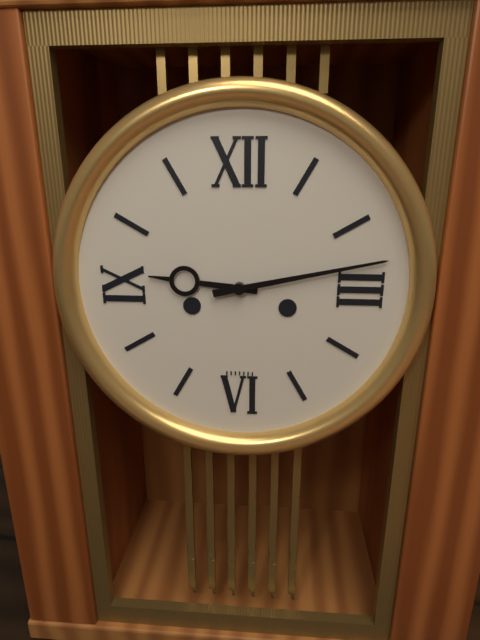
9h13
